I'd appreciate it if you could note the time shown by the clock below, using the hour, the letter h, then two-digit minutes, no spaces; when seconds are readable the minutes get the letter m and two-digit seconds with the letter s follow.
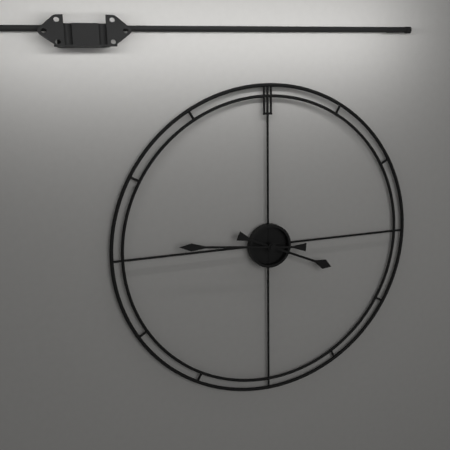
3h46
